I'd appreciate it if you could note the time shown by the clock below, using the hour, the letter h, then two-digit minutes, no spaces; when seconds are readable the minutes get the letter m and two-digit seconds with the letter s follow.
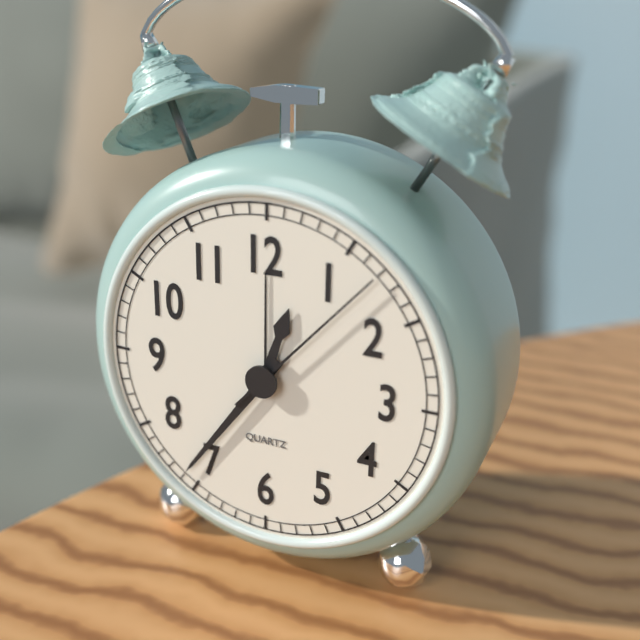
12h36m07s
